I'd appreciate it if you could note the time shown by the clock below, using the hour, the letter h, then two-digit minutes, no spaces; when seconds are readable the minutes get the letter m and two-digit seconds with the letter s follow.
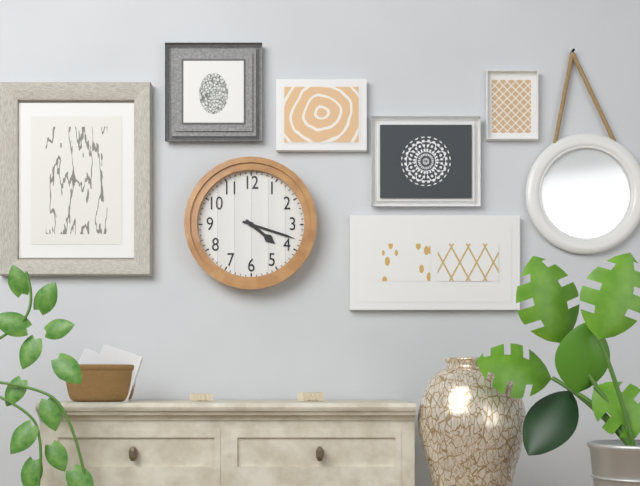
4h18
